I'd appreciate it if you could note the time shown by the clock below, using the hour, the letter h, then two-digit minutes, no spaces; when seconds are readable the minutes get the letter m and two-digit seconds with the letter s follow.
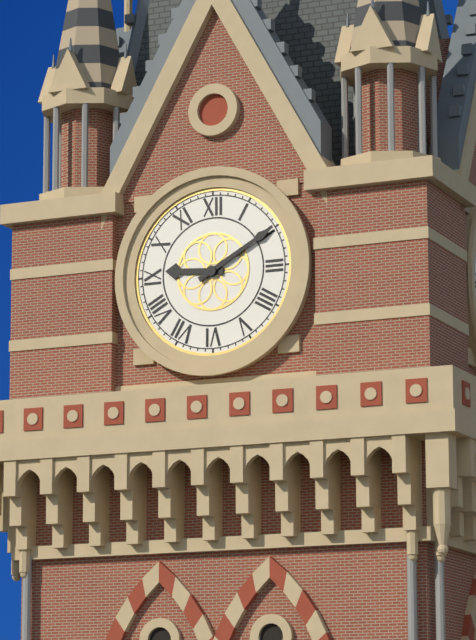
9h10
